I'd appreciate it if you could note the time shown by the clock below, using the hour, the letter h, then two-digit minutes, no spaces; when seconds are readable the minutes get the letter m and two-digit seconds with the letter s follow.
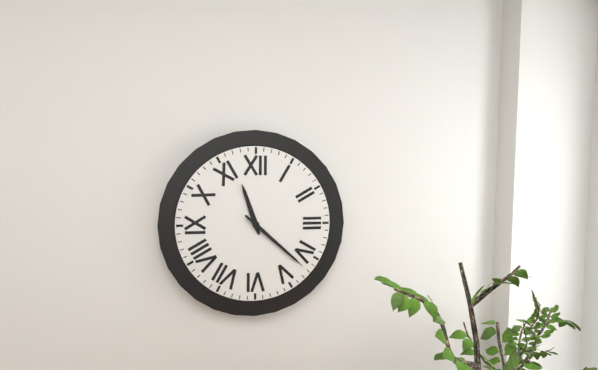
11h22
